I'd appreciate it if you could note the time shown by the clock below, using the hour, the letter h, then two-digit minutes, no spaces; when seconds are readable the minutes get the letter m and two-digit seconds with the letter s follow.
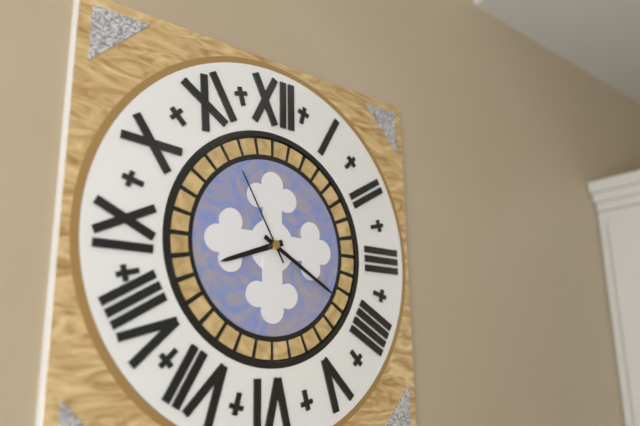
8h20m55s
